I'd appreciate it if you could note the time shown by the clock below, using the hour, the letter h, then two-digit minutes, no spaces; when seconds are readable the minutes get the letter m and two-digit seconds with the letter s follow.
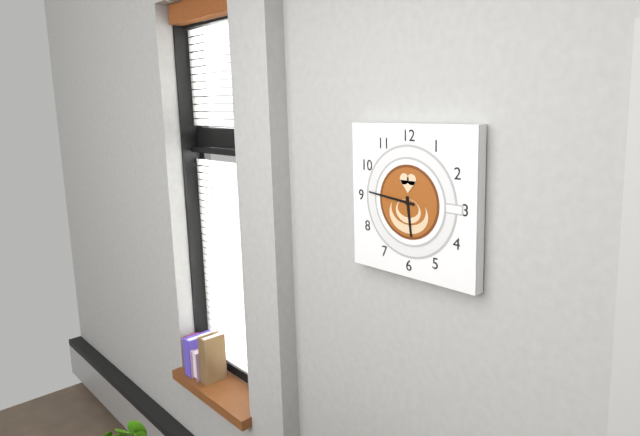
5h46
